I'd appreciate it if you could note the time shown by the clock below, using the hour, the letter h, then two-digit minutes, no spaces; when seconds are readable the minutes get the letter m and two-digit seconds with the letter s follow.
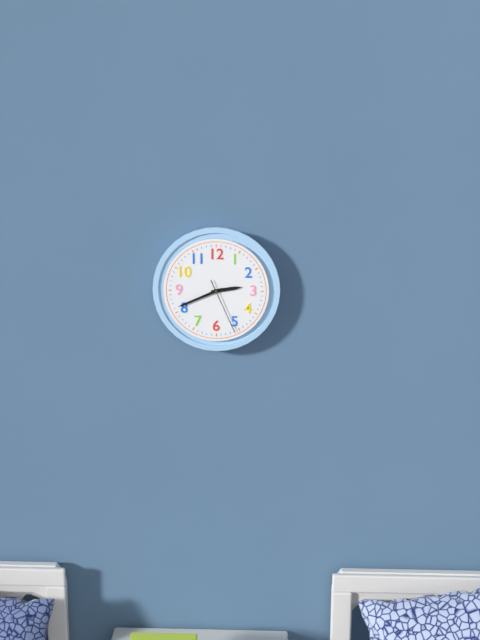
2h41m26s
